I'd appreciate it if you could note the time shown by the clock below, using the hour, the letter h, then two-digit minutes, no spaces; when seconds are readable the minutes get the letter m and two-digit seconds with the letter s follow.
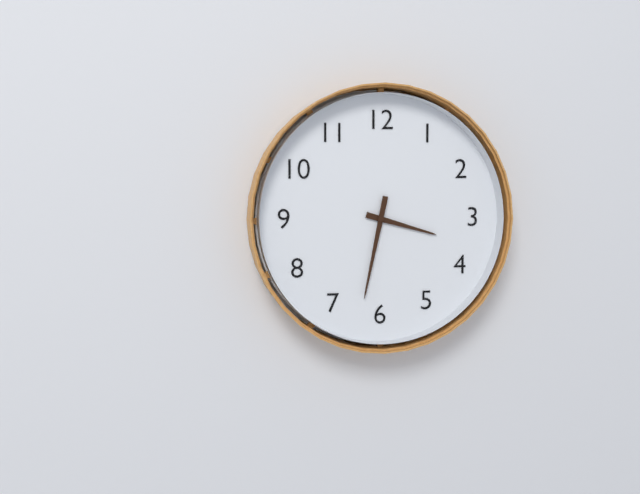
3h32
